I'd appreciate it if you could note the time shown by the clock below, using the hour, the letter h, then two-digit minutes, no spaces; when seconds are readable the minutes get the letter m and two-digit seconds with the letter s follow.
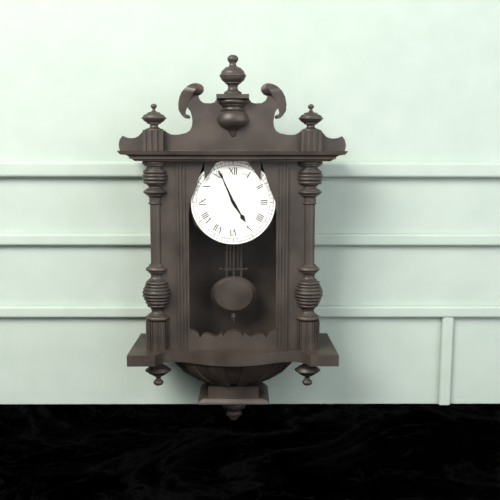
4h56
